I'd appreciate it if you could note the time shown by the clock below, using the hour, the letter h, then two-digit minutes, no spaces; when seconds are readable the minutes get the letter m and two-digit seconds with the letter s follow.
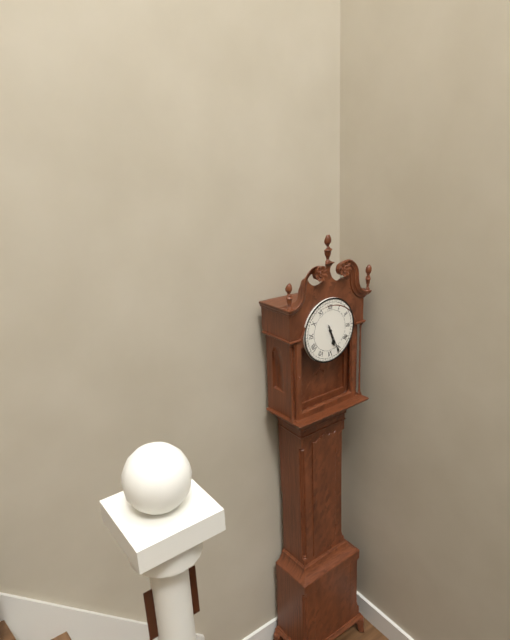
5h26
